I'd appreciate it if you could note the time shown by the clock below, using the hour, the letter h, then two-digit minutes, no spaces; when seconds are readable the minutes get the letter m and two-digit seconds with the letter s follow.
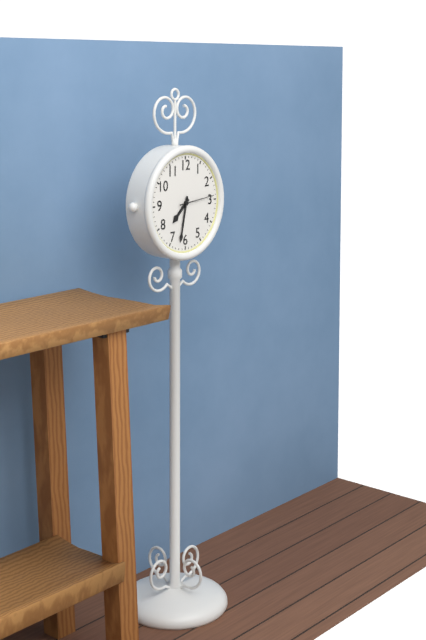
7h32
